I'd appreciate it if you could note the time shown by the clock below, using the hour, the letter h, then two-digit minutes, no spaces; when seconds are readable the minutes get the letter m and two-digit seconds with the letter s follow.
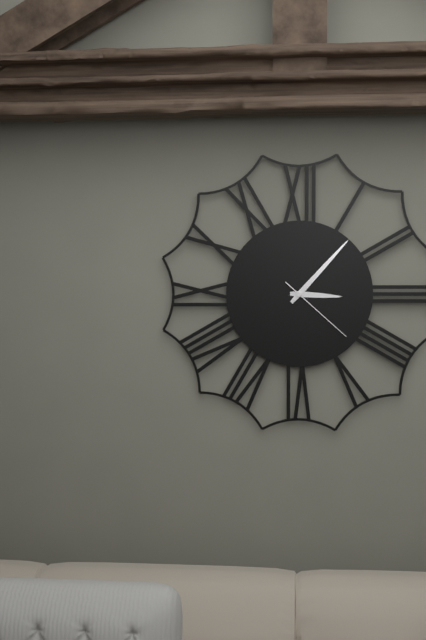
3h07m22s
